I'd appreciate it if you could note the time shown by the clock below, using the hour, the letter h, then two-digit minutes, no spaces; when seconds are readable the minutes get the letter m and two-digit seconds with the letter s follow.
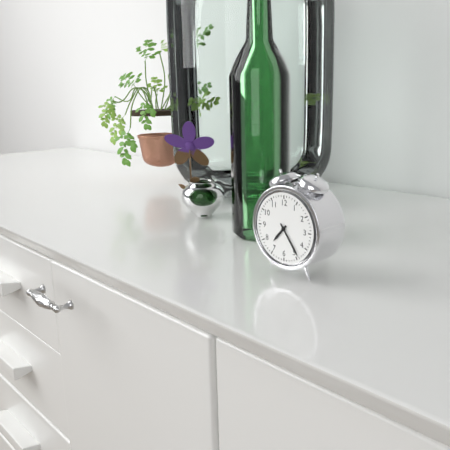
7h24
